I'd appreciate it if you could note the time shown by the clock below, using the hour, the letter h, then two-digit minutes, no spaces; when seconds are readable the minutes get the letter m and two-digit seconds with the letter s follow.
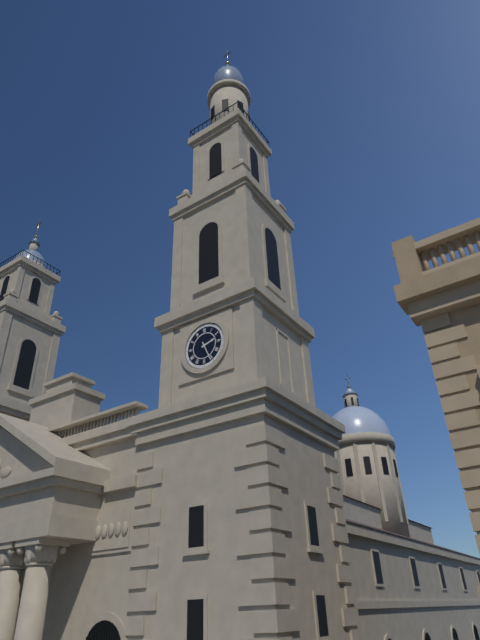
2h26
